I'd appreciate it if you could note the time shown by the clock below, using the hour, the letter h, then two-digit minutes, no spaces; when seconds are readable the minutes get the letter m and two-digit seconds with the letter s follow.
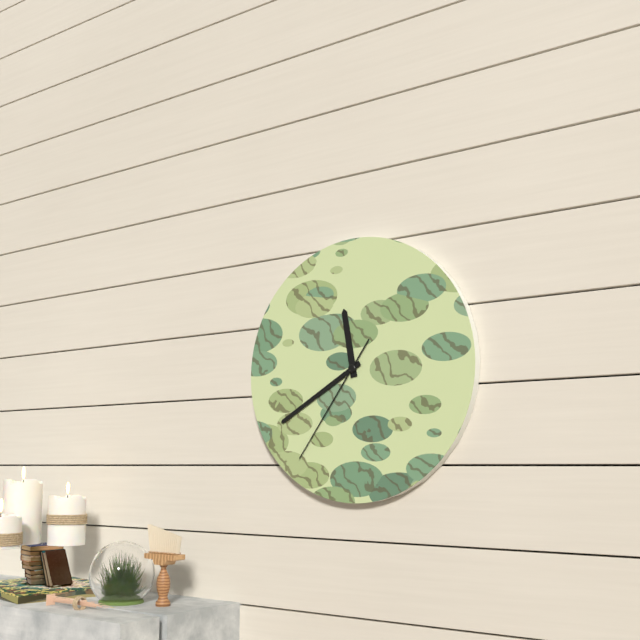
11h40m36s
